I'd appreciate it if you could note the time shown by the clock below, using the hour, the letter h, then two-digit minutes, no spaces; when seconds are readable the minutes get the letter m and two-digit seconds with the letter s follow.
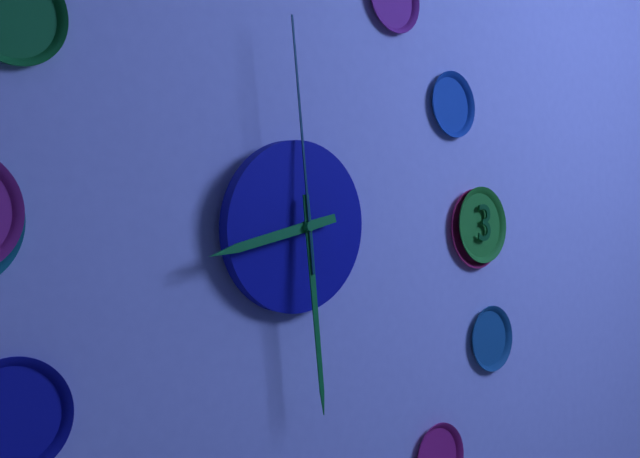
8h29m59s
